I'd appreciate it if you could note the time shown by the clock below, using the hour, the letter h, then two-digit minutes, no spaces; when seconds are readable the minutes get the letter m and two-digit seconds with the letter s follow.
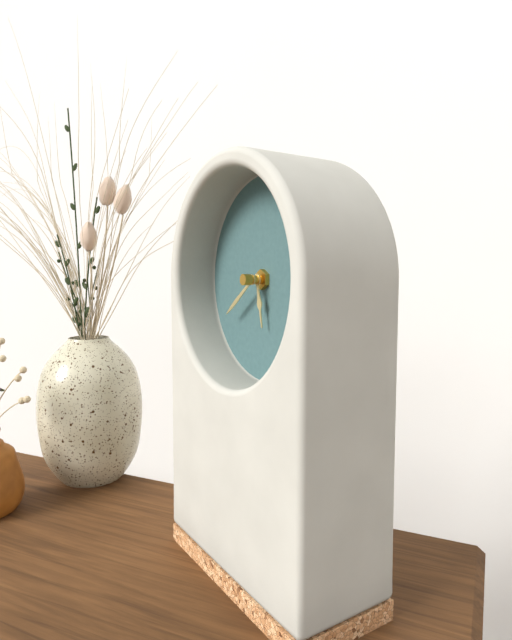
5h39
